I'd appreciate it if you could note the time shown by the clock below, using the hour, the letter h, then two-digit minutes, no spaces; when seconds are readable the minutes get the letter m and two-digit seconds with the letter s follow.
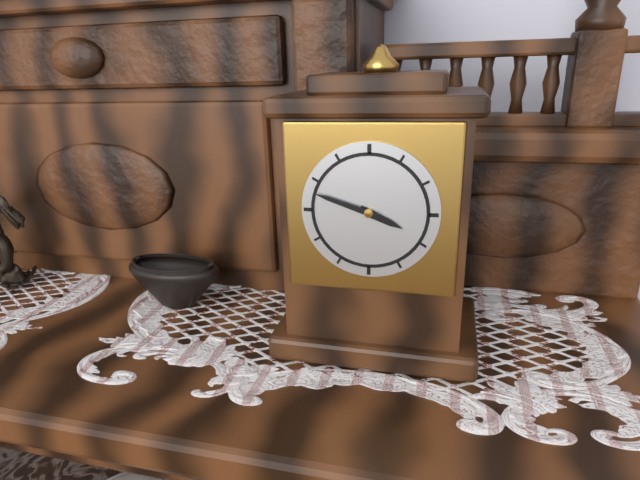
3h48
